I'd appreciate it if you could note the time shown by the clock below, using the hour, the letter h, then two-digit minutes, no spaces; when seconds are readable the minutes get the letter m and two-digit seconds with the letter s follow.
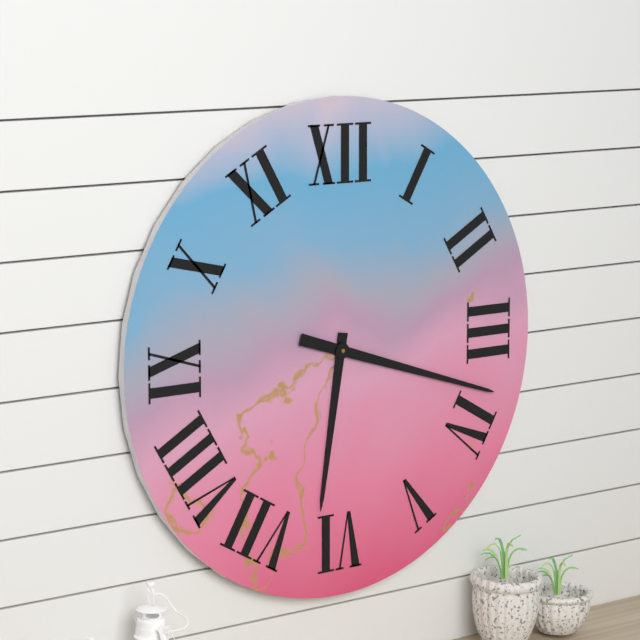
6h18
